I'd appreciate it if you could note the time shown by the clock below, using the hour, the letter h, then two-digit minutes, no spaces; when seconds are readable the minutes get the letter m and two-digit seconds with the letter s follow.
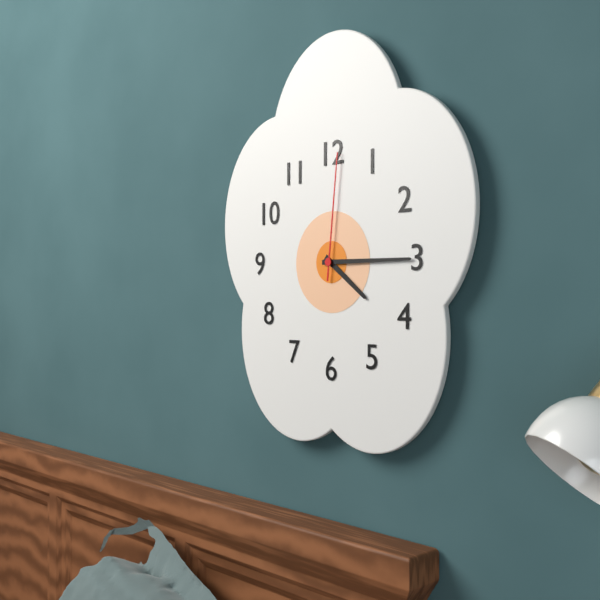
4h15m01s
